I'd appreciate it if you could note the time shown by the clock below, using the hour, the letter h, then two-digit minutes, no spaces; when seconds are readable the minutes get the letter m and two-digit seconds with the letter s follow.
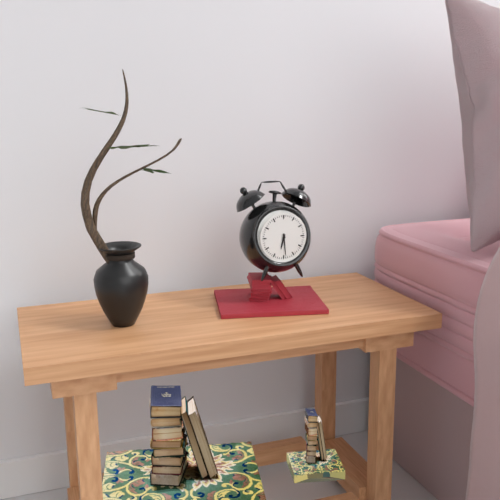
6h29
